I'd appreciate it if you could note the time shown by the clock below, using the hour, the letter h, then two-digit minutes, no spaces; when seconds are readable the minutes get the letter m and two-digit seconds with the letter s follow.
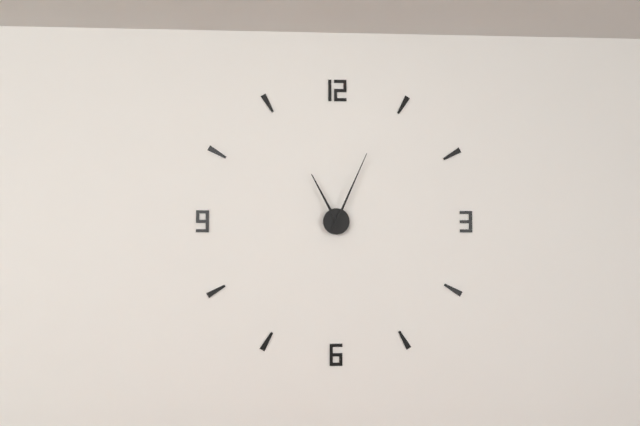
11h04
